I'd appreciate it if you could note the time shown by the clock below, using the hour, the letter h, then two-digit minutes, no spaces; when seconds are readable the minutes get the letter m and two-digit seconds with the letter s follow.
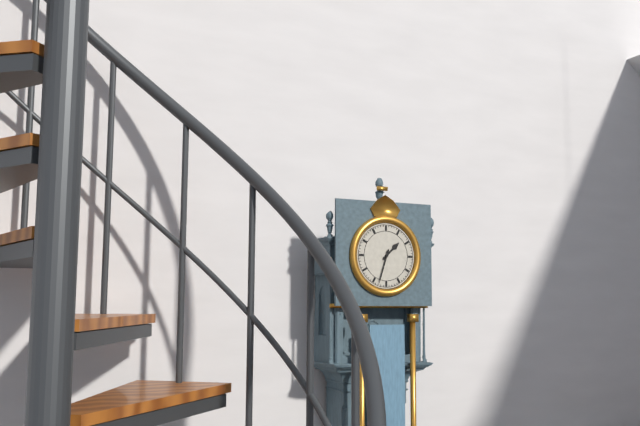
1h33
